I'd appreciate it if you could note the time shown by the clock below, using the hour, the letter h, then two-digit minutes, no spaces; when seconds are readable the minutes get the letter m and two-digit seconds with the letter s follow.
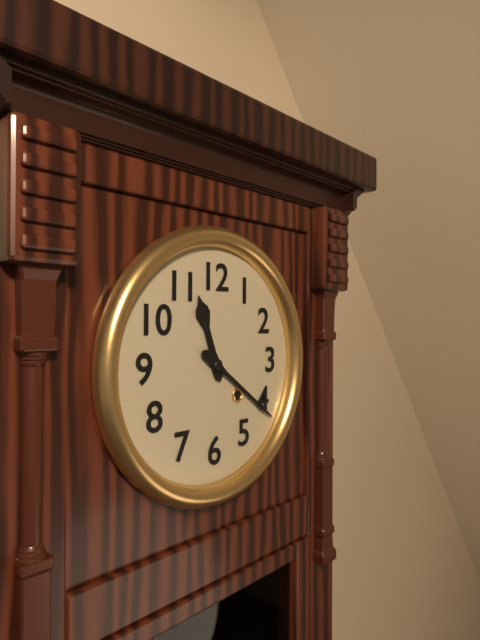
11h21
